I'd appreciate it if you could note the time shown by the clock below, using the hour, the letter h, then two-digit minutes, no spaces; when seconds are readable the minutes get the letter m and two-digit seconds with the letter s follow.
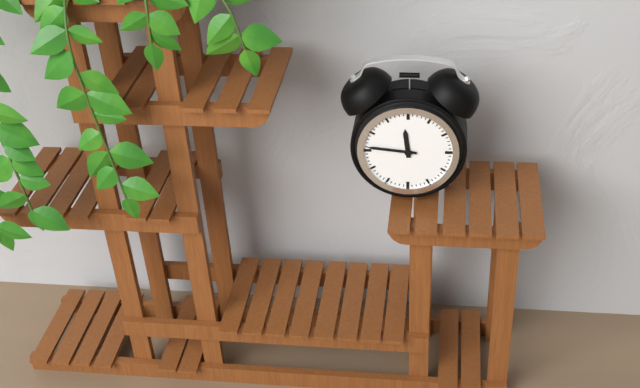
11h46
